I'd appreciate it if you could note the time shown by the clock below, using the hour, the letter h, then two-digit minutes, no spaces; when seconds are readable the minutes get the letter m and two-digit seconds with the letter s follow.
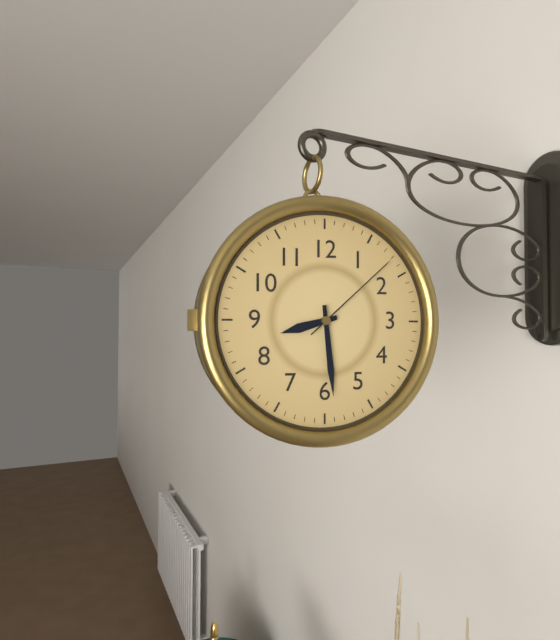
8h29m08s
